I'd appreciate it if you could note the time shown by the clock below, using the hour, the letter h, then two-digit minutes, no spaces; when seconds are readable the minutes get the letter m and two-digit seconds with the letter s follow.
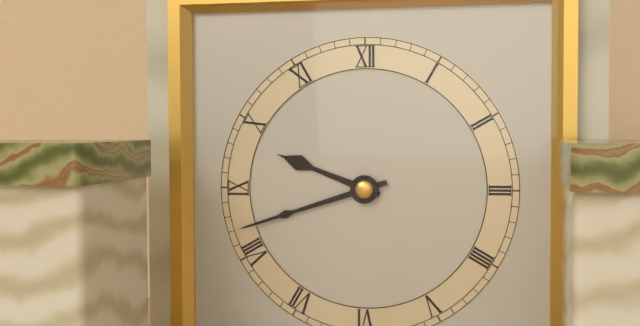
9h42
